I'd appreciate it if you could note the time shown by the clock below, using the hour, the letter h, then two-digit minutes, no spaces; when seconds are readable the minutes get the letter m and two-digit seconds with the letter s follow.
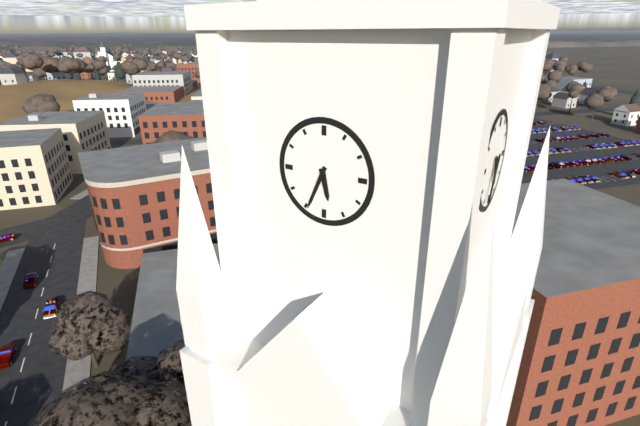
5h34
